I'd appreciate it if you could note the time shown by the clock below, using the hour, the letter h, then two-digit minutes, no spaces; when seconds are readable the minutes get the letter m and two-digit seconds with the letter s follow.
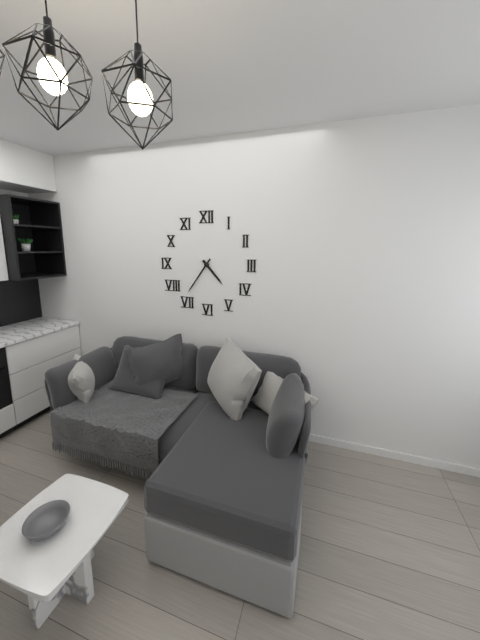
4h36
